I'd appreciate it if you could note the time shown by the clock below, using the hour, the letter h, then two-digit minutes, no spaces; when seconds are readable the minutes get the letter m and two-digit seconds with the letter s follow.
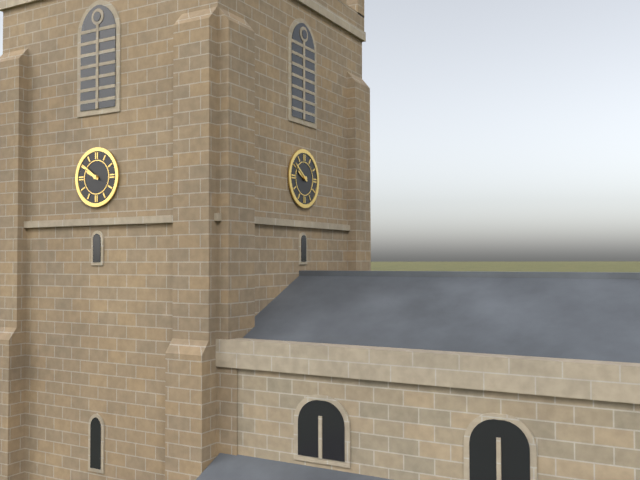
9h51
